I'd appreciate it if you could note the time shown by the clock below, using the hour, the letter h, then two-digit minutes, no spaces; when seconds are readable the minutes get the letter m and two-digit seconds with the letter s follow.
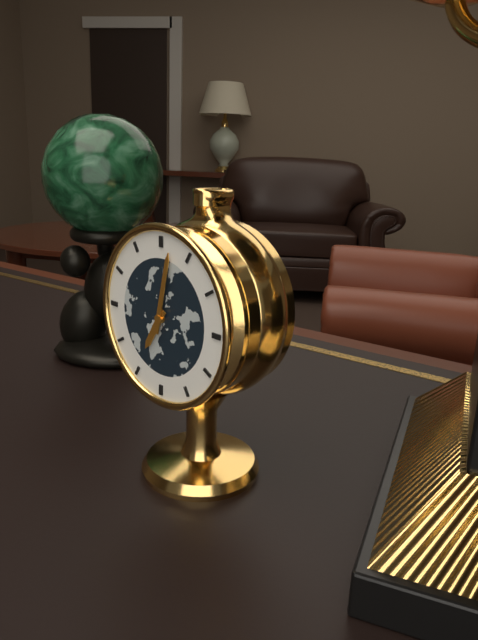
7h02
